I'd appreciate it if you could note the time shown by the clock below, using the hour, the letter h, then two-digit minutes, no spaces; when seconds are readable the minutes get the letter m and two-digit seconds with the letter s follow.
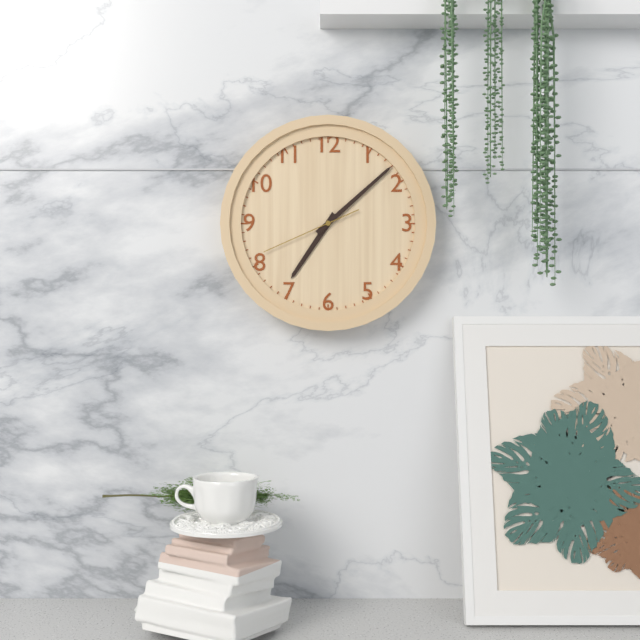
7h08m41s
